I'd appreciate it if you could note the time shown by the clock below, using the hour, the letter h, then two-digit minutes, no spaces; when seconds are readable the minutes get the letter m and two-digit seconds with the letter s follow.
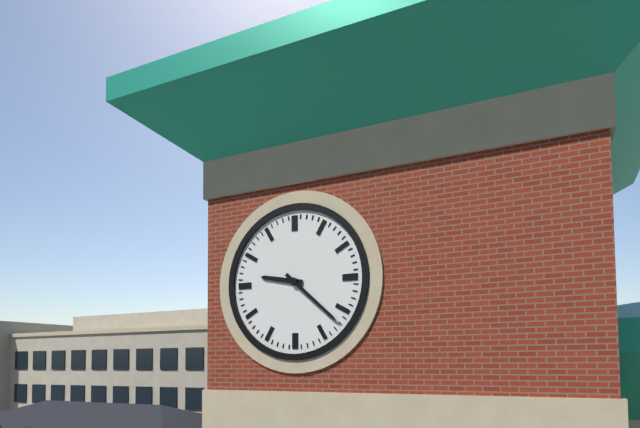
9h22
